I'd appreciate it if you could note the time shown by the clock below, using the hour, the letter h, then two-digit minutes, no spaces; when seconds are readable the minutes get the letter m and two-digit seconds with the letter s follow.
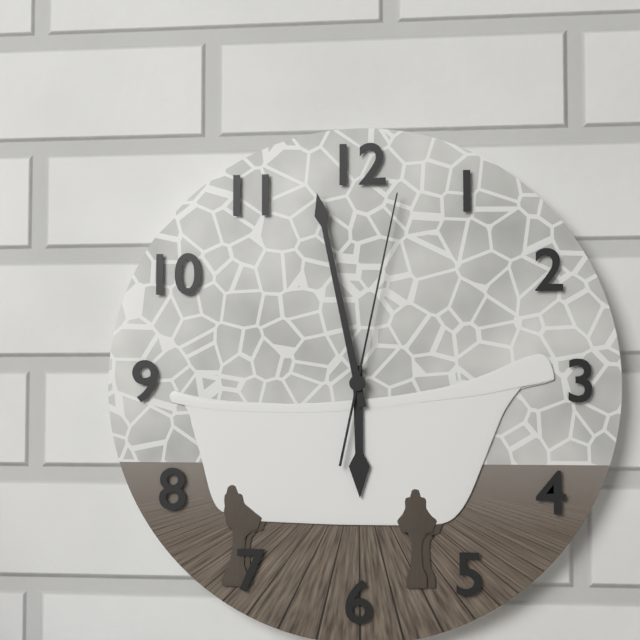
5h58m02s
